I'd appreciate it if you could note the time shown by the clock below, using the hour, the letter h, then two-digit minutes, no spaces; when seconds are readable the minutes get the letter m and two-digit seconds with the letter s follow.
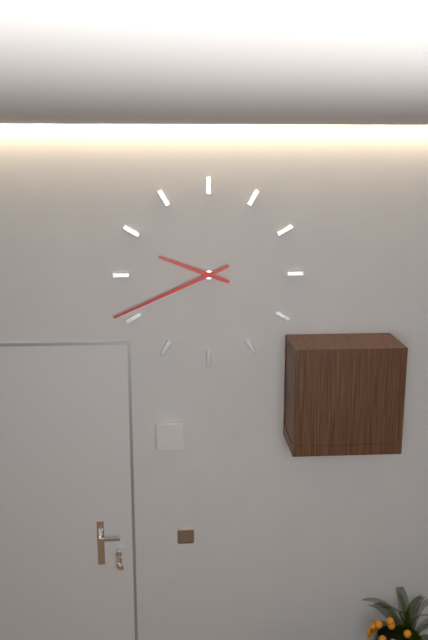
9h41
